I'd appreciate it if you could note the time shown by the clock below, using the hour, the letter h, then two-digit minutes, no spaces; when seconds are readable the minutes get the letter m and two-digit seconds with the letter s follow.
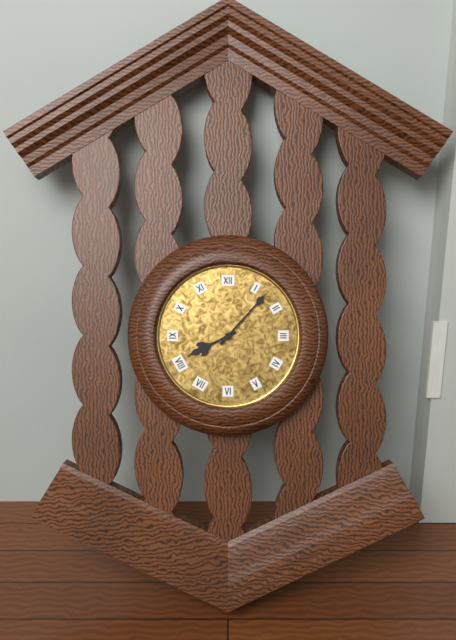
8h07
